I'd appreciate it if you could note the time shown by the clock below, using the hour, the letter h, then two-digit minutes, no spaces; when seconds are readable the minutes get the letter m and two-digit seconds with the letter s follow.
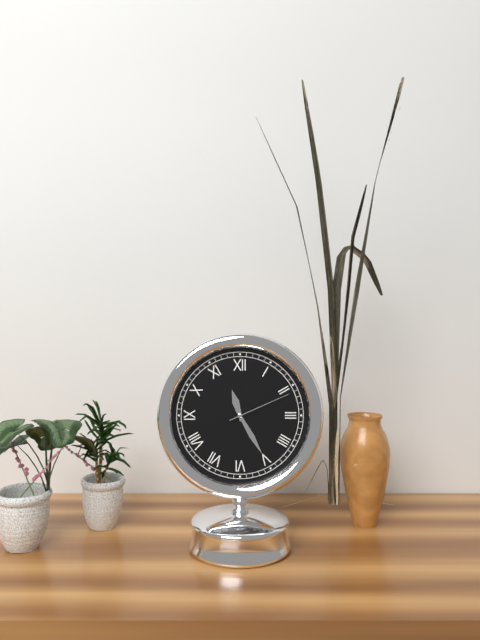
11h25m11s
